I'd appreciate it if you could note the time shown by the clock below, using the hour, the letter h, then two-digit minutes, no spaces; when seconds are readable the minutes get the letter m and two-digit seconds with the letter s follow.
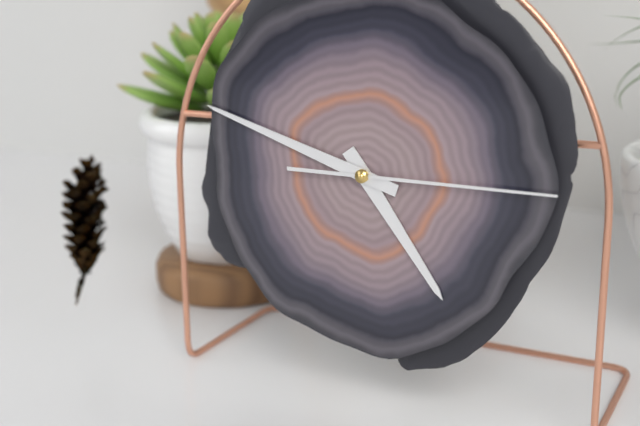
4h48m15s
